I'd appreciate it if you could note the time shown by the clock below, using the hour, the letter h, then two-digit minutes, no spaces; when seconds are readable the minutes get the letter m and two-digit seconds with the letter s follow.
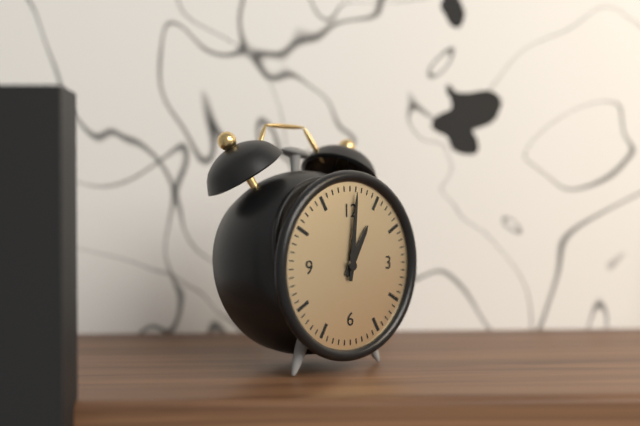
1h01
